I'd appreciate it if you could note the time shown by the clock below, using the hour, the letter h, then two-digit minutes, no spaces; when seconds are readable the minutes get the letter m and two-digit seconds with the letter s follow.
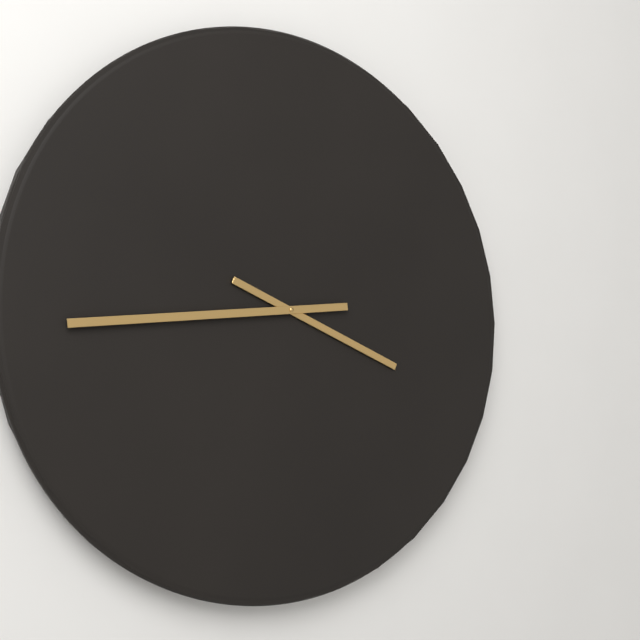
3h44
